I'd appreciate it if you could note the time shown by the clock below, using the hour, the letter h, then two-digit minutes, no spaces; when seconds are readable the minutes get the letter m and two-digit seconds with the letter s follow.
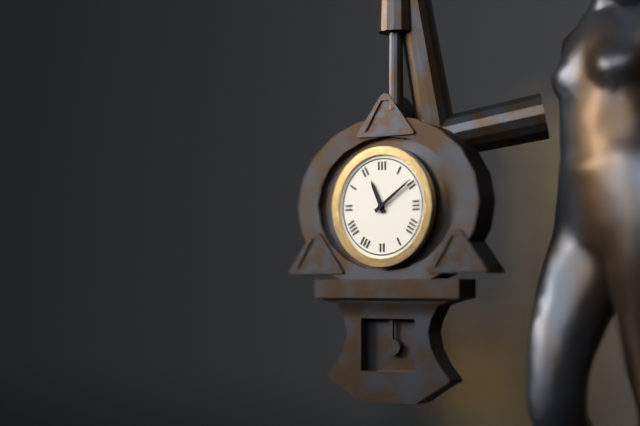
11h09
